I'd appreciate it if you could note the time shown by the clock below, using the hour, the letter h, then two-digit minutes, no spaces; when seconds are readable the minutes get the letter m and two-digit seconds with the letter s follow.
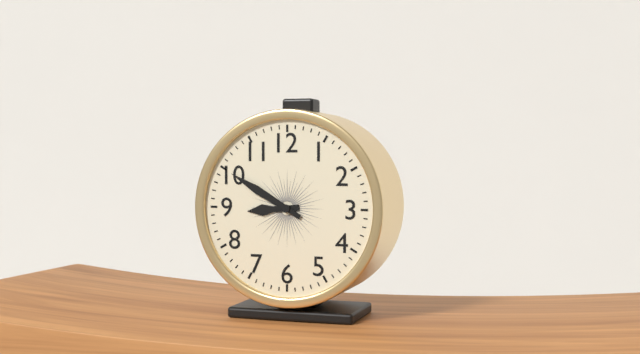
8h50
